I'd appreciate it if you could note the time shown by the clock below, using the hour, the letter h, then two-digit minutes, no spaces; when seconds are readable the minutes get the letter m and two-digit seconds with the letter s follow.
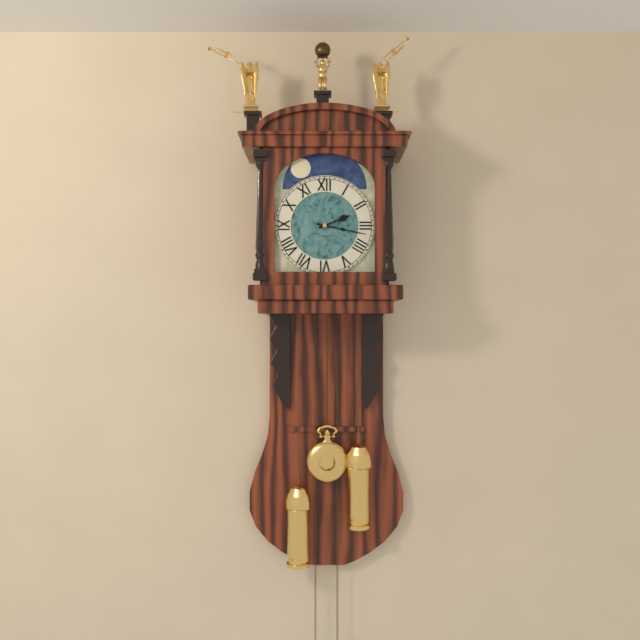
2h17
